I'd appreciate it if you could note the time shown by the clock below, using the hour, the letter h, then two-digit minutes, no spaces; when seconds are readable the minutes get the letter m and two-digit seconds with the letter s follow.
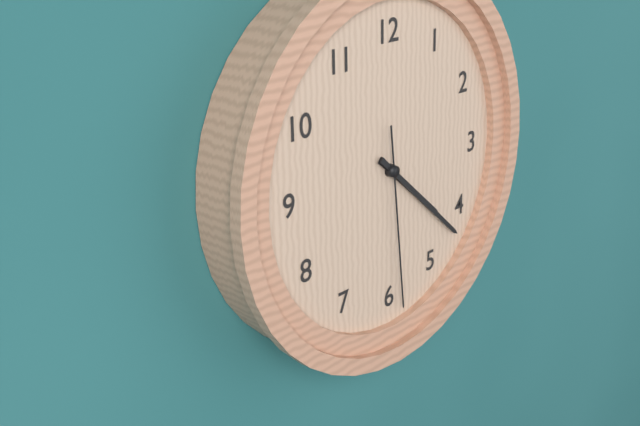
4h22m29s
